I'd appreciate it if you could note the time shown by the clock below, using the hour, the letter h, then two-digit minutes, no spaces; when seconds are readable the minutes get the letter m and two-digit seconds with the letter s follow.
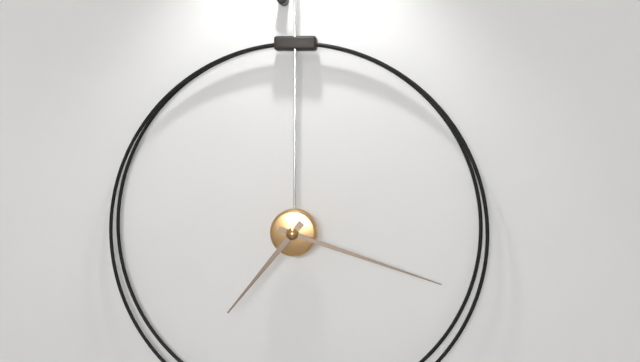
7h18
